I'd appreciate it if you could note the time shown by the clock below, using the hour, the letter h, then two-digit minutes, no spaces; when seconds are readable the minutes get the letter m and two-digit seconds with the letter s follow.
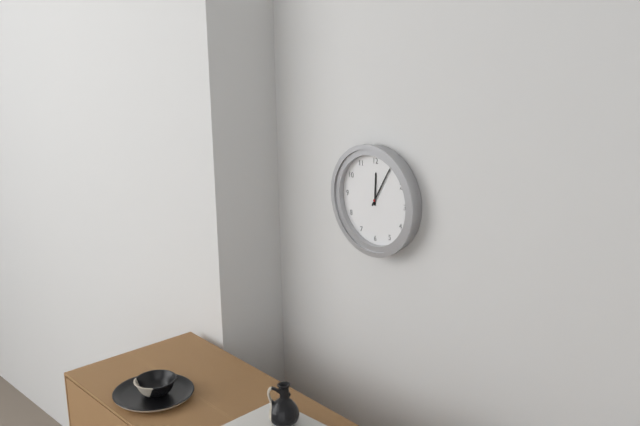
12h05
